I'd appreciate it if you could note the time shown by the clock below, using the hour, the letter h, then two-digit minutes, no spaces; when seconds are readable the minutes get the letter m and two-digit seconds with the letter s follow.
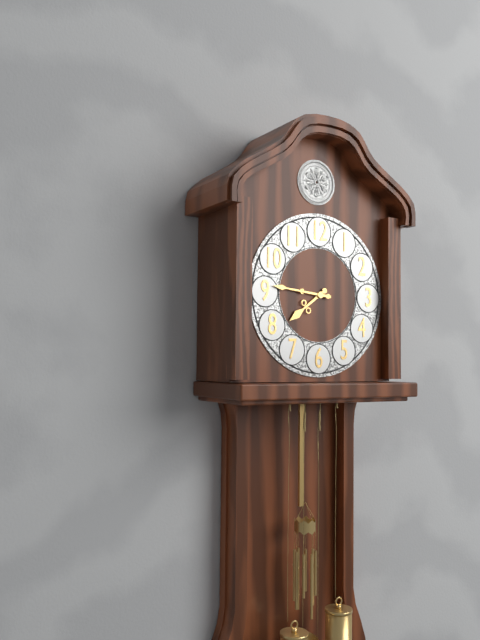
7h46
